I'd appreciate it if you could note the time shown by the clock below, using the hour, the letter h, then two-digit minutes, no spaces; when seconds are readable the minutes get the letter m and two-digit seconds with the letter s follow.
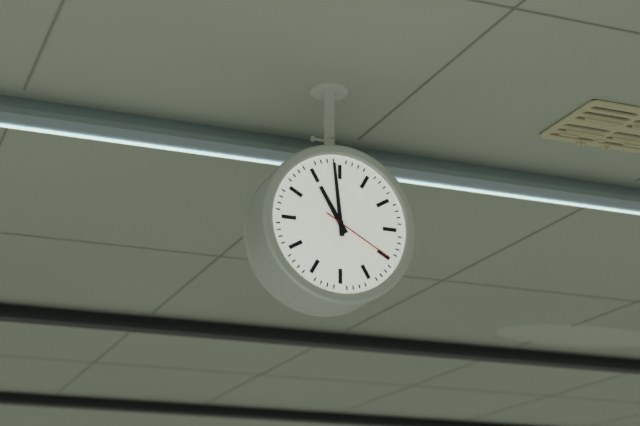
10h59m20s
